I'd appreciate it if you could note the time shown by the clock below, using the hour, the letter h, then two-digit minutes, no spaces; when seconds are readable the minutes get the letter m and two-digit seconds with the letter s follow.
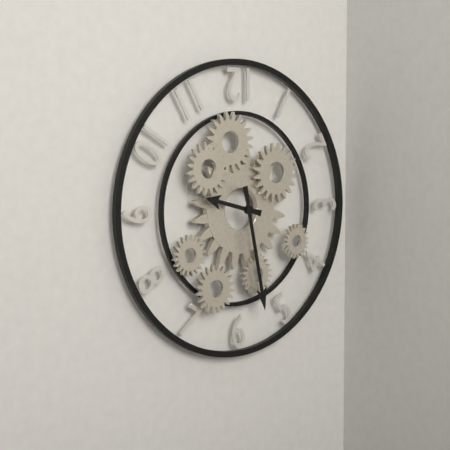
9h28
